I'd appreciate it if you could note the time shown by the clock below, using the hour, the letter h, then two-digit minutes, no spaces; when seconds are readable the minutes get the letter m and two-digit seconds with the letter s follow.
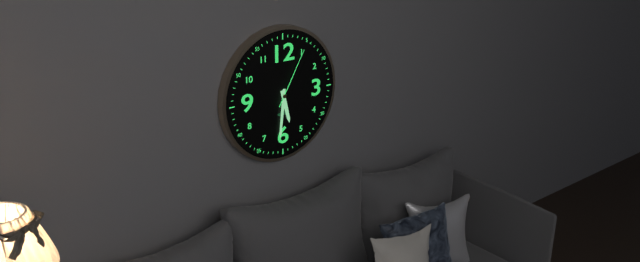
5h31m05s
